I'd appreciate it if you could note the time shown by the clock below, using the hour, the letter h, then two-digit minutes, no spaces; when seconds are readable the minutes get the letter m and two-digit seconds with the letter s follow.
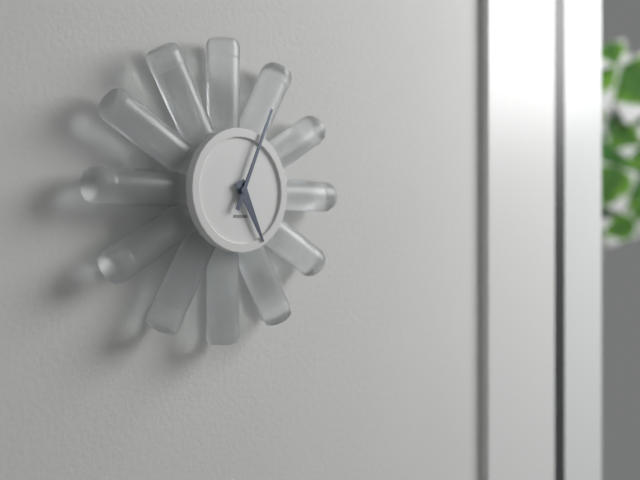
5h04
